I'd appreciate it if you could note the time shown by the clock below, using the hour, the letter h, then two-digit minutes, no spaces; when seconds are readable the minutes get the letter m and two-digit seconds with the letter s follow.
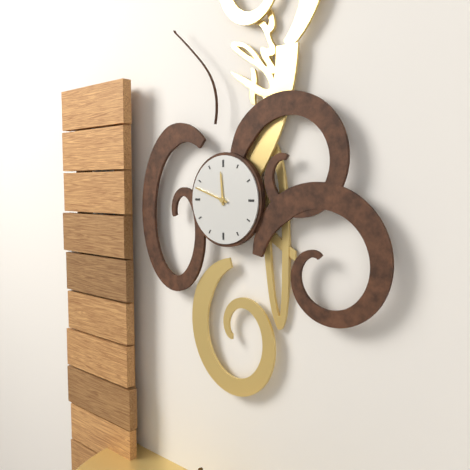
11h48
